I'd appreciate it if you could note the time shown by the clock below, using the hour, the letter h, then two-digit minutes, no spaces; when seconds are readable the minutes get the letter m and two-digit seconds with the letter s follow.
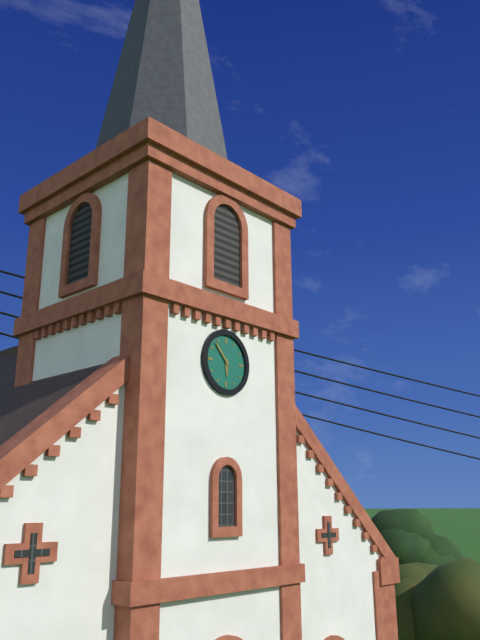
5h53
